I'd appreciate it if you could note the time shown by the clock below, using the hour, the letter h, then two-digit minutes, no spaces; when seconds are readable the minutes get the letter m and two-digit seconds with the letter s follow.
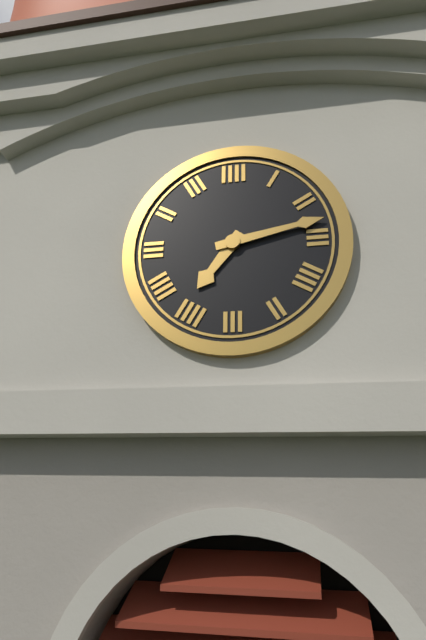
7h13
